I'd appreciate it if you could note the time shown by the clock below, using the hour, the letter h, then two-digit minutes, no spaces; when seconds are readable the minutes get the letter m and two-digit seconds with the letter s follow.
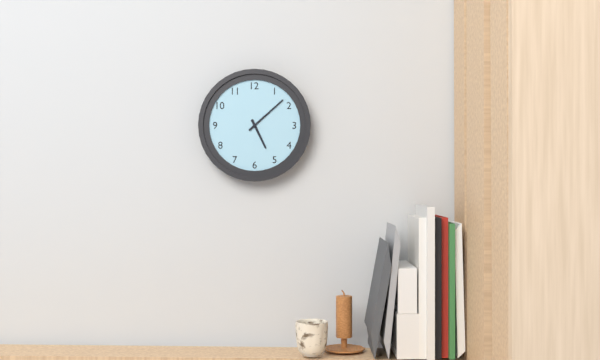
5h08
